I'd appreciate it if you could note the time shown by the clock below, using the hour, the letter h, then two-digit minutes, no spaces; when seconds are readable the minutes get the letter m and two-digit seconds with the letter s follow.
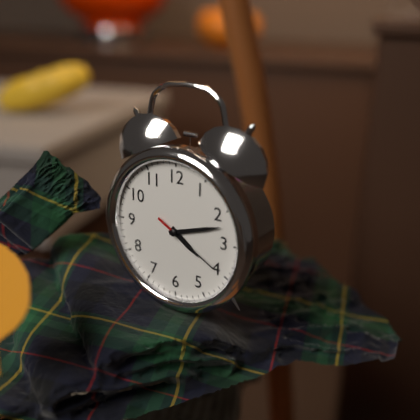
4h12m20s
